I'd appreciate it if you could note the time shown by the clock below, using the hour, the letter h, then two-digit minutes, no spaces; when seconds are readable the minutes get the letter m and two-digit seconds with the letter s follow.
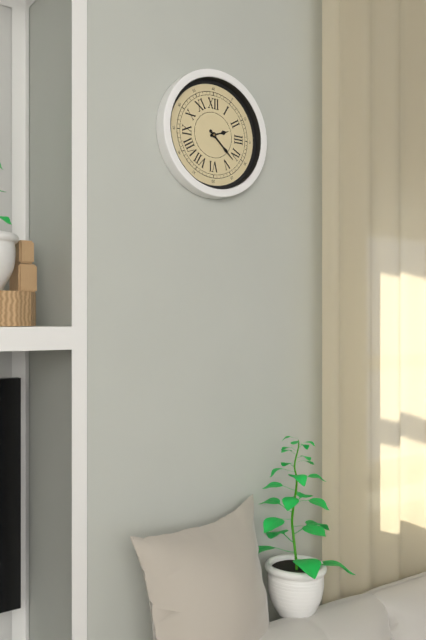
2h22
